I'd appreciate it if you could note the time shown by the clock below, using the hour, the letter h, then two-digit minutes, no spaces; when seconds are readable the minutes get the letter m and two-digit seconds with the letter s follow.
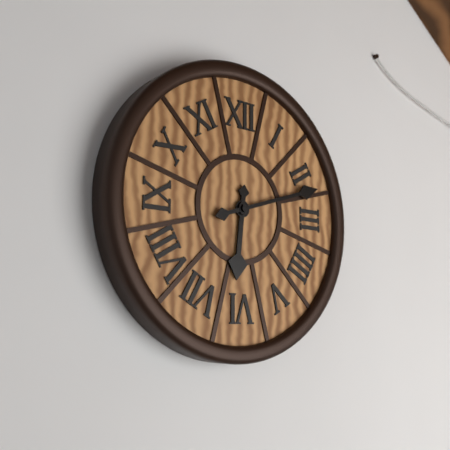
6h12
